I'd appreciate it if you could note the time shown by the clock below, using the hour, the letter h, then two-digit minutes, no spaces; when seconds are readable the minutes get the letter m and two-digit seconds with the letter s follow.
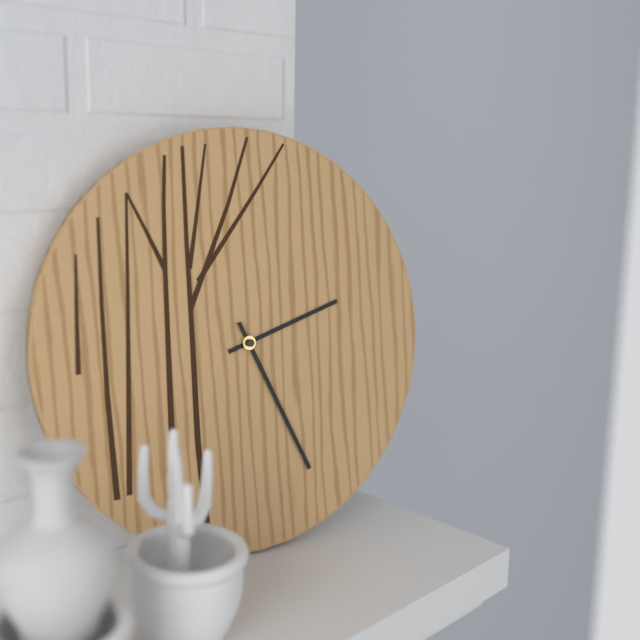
2h26
